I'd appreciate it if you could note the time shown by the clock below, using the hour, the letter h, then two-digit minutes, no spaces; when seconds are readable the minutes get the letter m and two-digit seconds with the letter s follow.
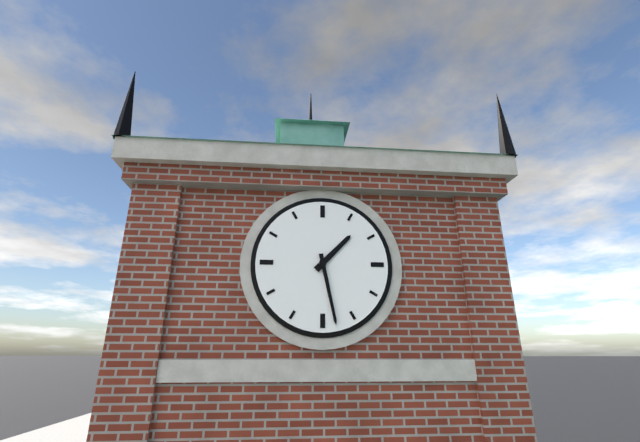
1h28
